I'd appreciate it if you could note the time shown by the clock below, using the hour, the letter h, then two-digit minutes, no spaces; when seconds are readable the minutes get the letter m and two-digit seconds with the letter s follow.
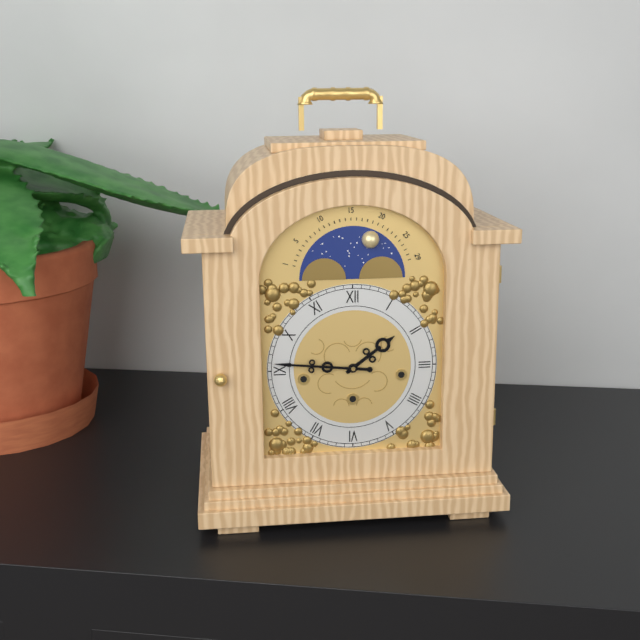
1h46
